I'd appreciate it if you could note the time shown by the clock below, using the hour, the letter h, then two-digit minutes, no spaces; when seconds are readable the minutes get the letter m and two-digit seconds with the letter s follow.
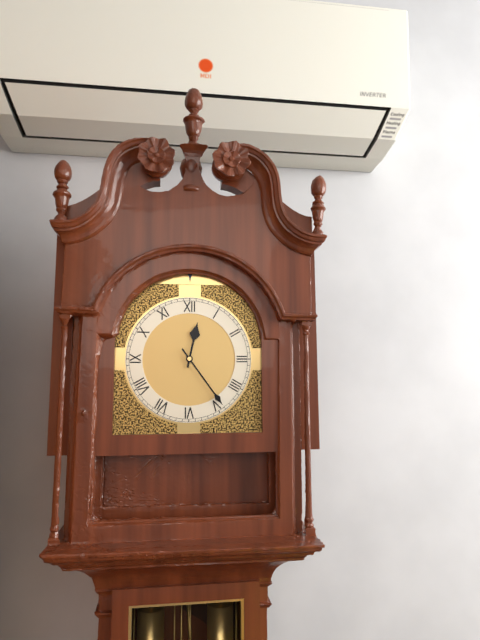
12h24
